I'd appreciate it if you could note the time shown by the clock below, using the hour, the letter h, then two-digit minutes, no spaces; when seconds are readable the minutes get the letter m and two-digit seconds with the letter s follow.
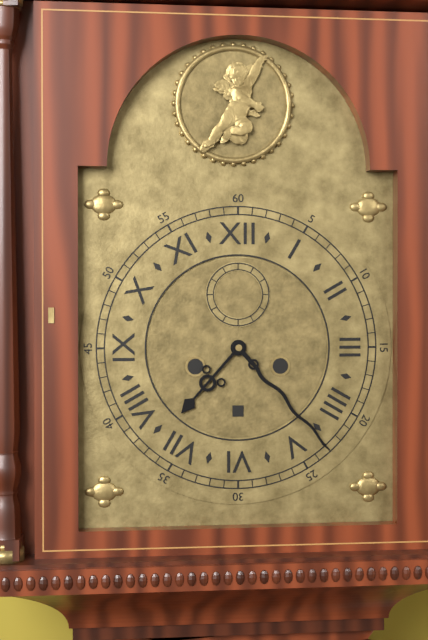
7h23
